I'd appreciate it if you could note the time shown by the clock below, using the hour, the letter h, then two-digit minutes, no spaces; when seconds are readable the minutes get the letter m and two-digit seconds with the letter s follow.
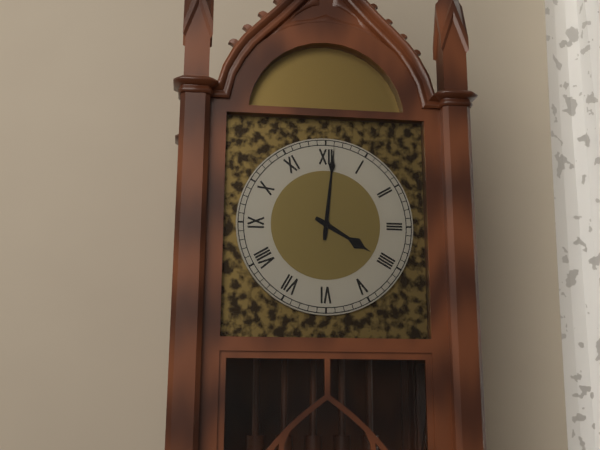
4h01
